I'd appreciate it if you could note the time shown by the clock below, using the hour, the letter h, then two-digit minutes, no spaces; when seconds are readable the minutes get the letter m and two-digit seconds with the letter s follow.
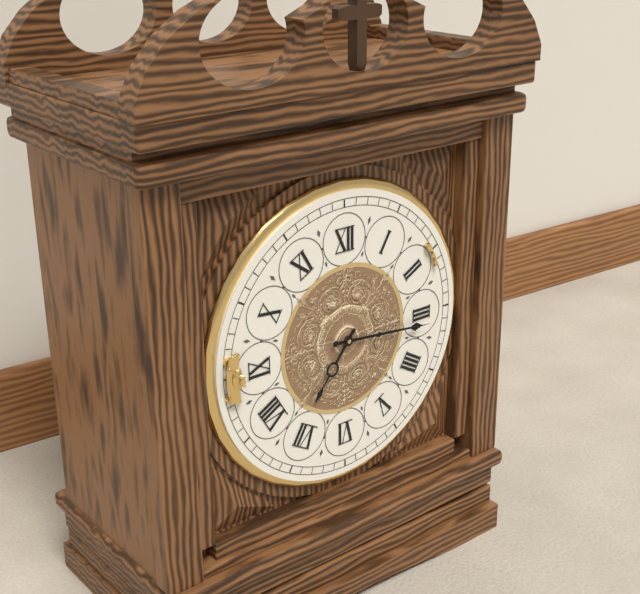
7h16
